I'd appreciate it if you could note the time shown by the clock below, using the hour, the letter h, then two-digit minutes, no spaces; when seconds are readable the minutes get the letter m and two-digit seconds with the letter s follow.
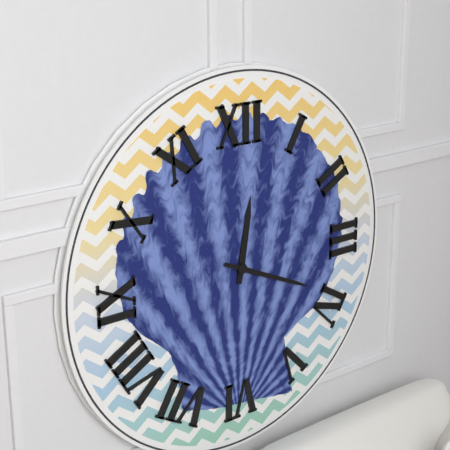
12h19
